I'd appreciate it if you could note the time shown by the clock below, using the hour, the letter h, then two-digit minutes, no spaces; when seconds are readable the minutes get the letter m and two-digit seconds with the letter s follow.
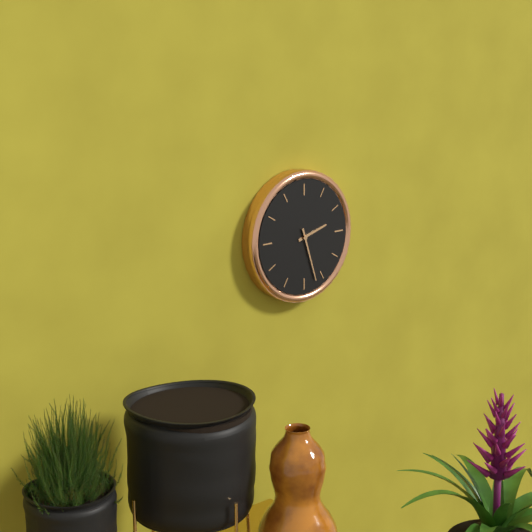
2h27
